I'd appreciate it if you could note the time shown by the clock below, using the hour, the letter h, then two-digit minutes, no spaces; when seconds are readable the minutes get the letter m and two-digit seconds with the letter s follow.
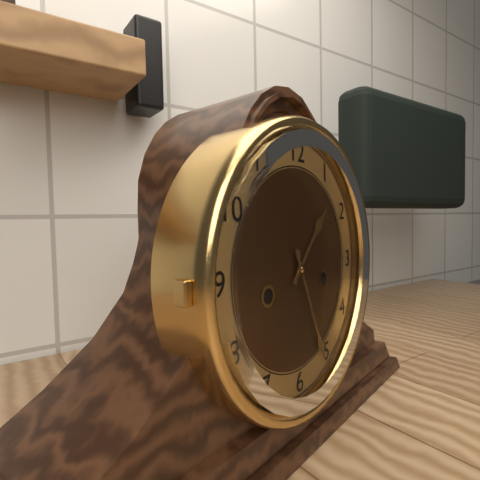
1h26
